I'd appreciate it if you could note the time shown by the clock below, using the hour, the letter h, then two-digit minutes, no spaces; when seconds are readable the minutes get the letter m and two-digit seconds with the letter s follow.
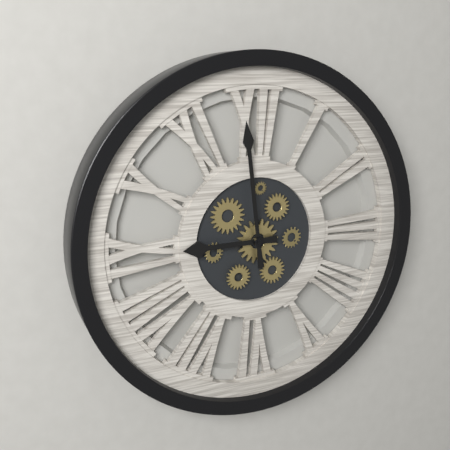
8h59
